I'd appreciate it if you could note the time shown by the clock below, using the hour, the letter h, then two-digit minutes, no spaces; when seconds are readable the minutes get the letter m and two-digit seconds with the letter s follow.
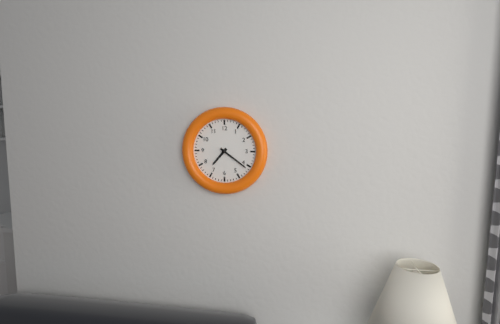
7h21
